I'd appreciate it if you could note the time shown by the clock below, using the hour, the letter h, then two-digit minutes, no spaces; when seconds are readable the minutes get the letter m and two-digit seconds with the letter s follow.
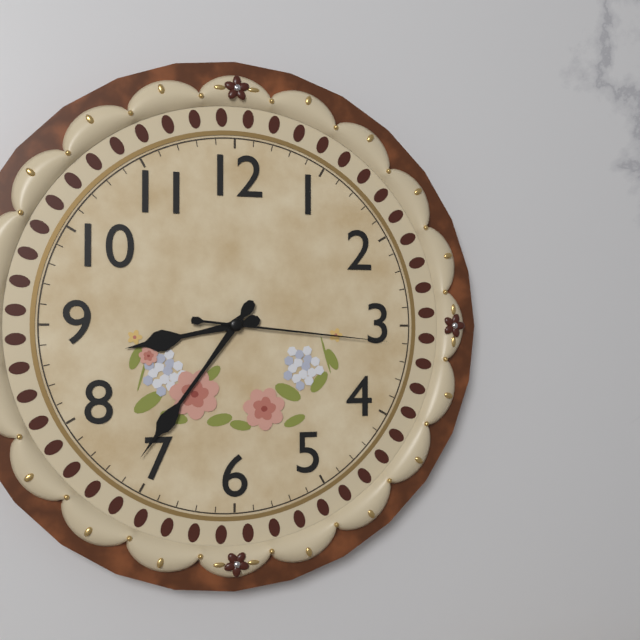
8h36m16s
